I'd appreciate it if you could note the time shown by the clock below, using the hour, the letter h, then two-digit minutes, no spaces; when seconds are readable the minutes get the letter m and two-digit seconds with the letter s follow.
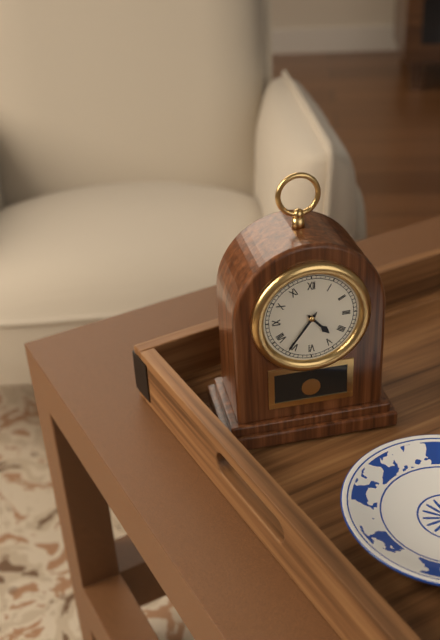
4h36
